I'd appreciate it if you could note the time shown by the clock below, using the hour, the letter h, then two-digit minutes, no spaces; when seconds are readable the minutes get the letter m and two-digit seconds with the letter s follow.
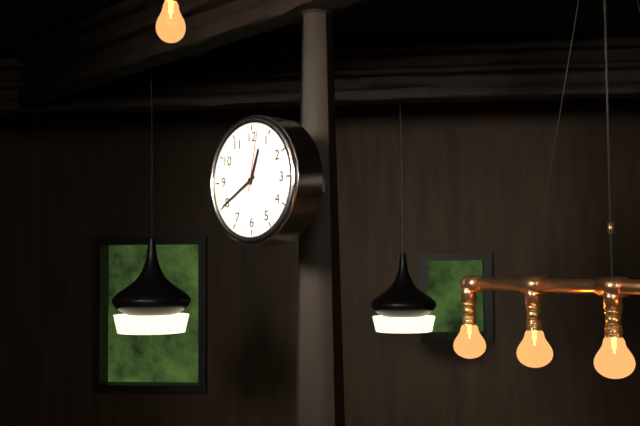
12h40m02s
